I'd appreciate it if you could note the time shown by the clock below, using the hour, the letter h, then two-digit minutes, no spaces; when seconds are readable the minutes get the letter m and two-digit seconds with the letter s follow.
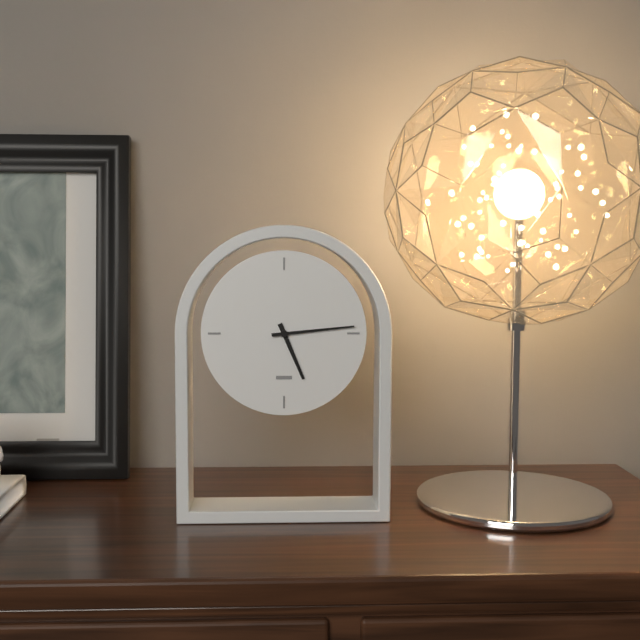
5h14
